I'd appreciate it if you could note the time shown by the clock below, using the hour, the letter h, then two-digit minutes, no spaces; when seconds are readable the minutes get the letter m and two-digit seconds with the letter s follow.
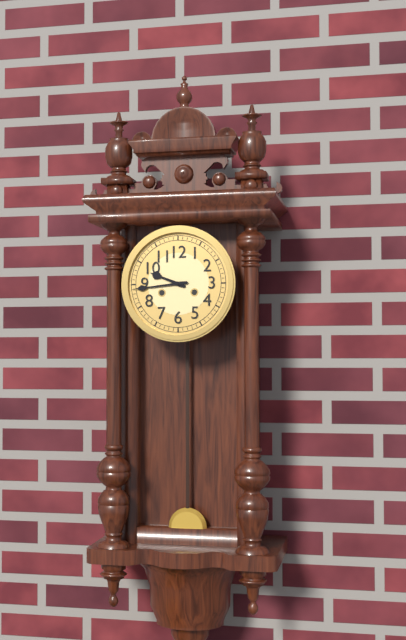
9h44
